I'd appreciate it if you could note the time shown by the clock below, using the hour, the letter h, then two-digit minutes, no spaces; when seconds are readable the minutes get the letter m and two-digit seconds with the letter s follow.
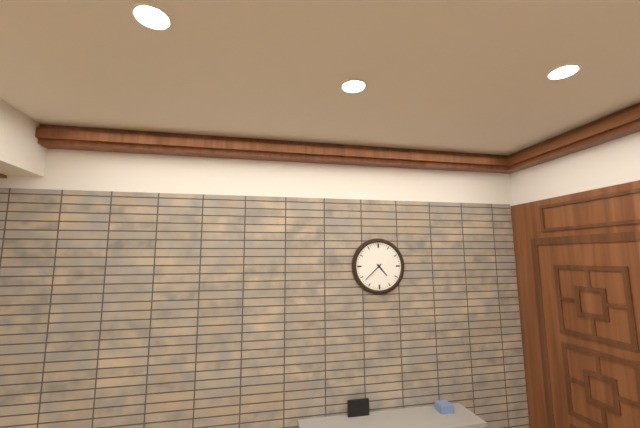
4h38
